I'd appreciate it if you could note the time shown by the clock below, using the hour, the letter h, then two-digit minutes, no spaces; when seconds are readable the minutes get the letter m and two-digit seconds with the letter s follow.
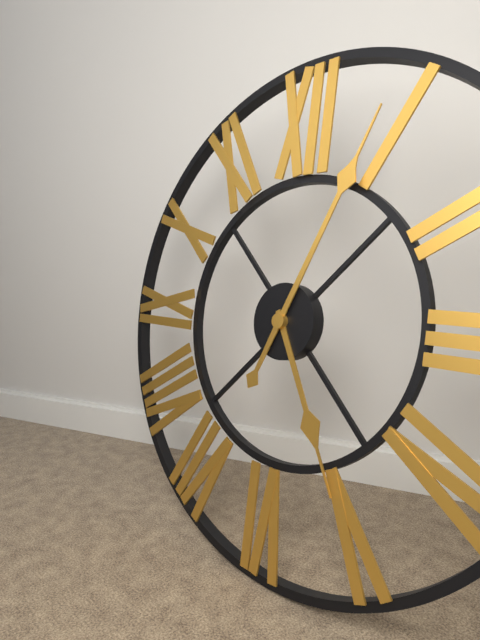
5h04
